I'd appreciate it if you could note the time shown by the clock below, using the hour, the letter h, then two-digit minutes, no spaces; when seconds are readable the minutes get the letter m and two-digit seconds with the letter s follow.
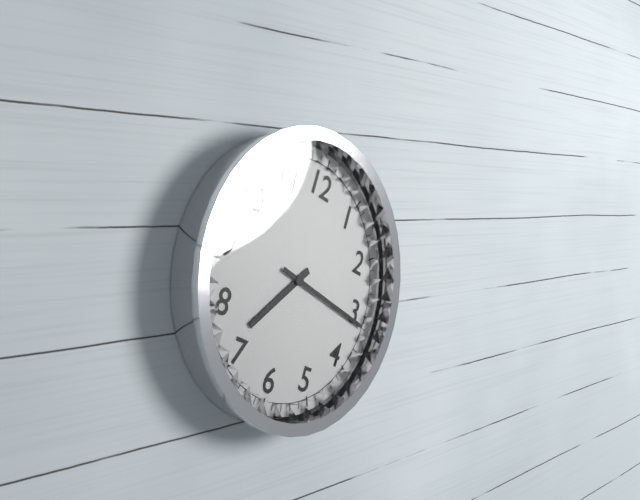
7h16
